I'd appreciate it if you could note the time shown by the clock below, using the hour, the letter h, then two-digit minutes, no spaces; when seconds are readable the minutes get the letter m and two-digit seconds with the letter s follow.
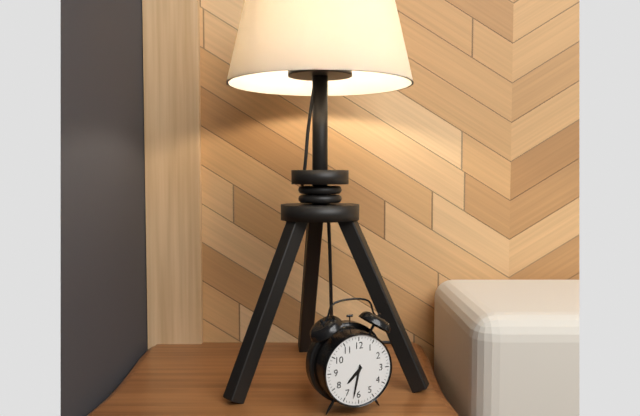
7h32
